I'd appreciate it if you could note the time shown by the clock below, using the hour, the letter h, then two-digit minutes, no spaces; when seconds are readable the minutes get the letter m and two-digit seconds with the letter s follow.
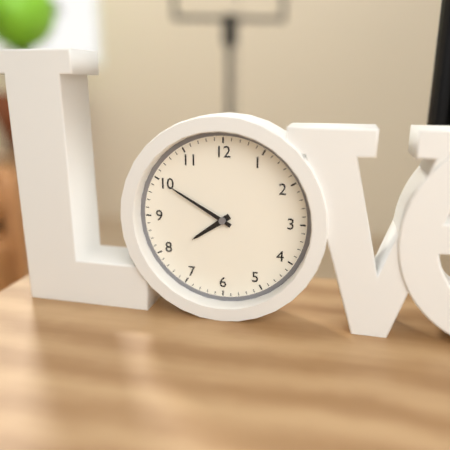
7h50
